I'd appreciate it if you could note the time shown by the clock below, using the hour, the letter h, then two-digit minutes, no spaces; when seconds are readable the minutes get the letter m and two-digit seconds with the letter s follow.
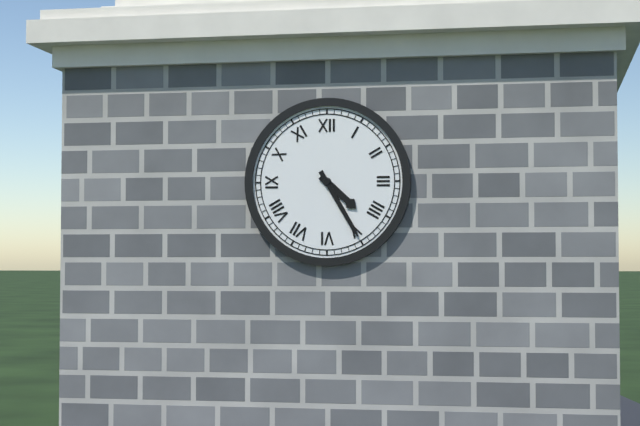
4h25
